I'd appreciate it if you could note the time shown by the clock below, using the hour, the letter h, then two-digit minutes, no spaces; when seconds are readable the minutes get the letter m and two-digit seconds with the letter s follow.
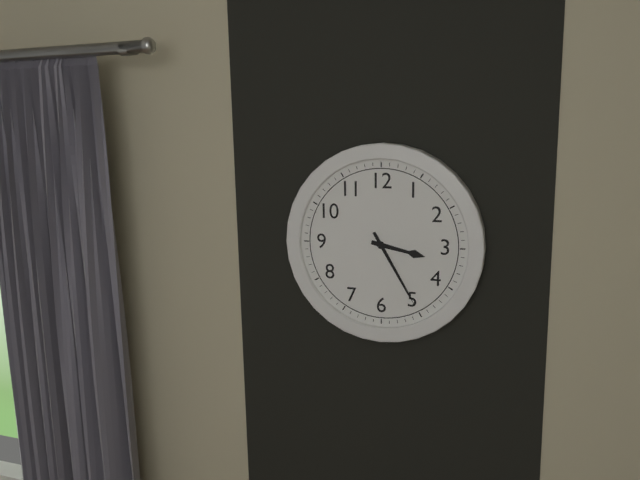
3h25
